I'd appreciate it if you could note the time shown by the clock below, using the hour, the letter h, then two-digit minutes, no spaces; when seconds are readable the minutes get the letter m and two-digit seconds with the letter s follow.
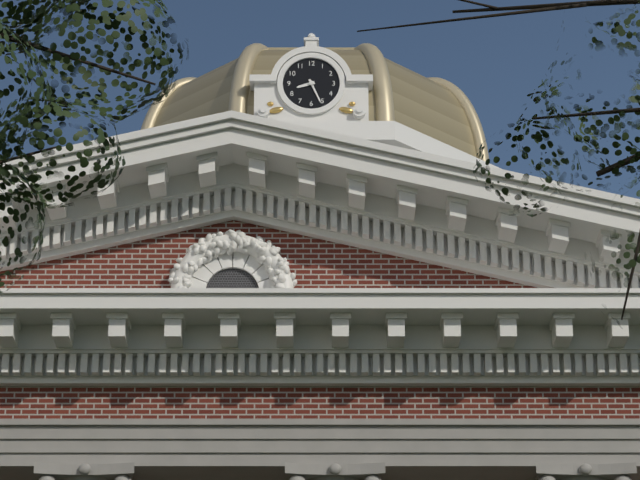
8h26
